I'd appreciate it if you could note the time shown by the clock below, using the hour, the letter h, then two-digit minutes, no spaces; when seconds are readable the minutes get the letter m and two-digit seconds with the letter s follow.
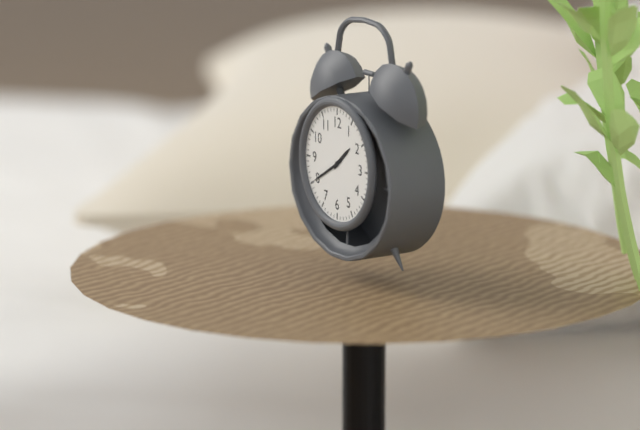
1h40
